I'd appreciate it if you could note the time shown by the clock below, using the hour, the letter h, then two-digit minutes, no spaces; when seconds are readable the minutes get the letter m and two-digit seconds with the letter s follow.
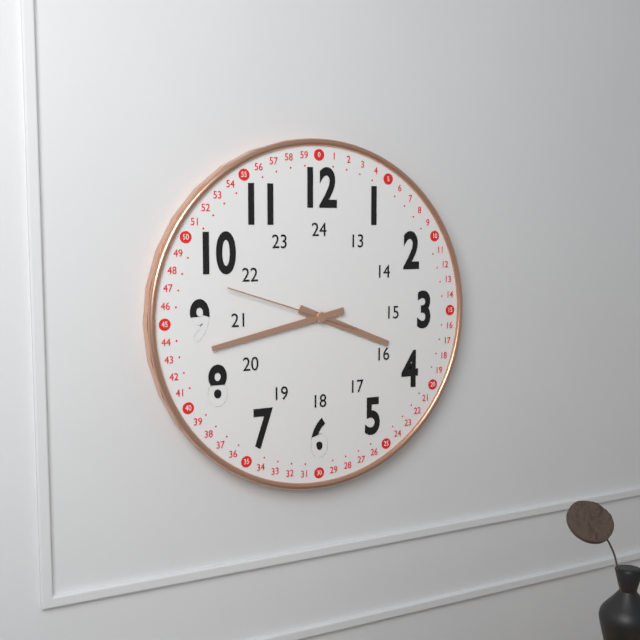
3h43m48s
